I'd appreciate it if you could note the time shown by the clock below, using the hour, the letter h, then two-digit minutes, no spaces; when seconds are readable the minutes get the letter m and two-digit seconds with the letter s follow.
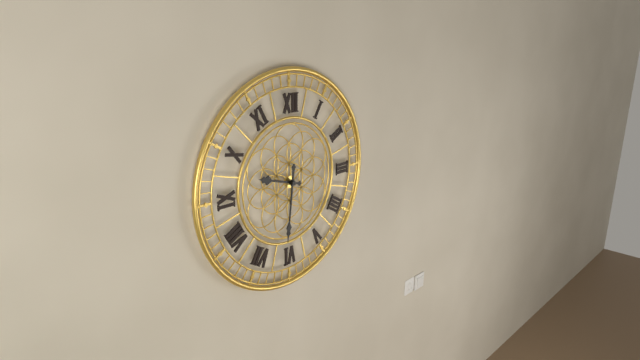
9h31
